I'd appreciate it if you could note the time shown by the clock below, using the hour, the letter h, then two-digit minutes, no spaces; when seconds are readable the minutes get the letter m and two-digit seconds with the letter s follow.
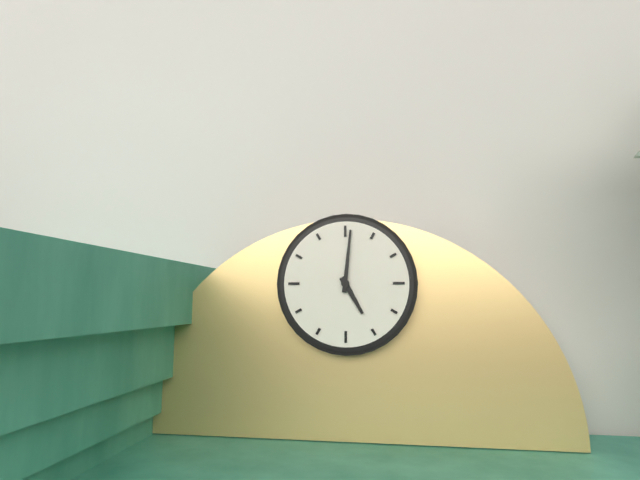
5h01
